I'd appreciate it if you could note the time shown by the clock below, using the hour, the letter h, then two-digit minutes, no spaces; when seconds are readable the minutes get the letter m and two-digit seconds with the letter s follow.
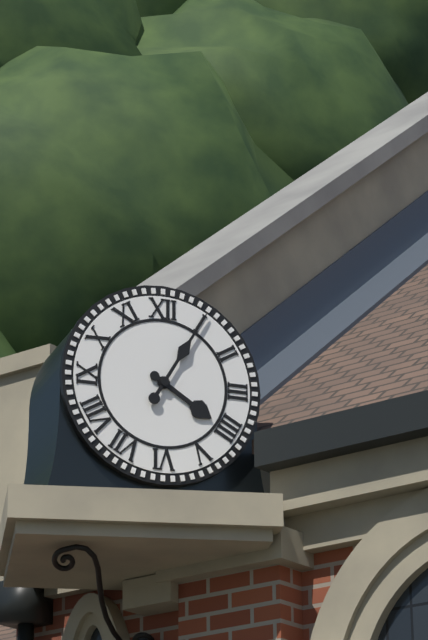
4h05
